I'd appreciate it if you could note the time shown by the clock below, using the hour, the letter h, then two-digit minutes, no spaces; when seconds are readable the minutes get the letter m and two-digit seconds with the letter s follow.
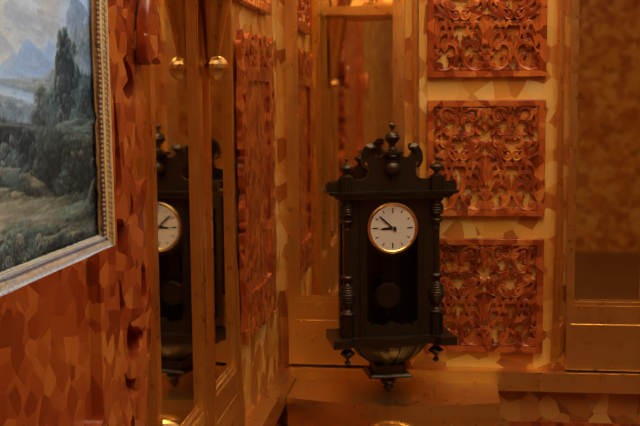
8h52
